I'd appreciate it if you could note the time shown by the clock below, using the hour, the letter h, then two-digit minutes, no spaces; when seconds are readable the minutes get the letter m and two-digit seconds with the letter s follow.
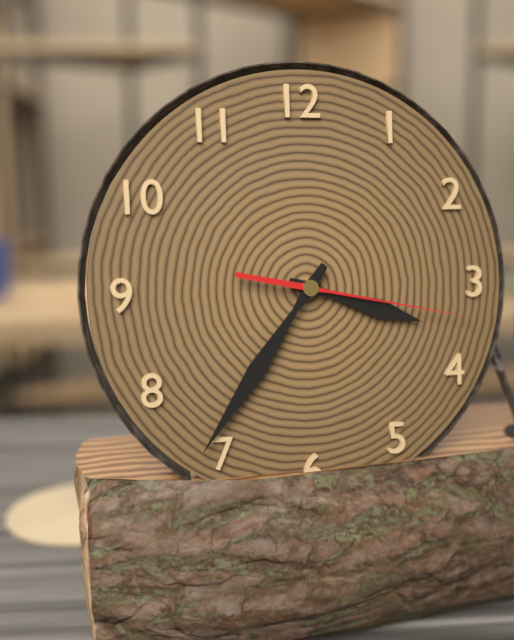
3h36m17s
